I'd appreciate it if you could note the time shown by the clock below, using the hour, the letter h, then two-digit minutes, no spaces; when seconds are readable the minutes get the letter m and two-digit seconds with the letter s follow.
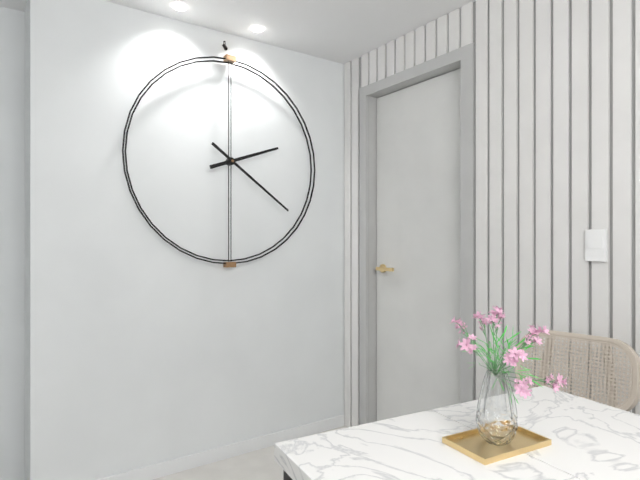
2h21
